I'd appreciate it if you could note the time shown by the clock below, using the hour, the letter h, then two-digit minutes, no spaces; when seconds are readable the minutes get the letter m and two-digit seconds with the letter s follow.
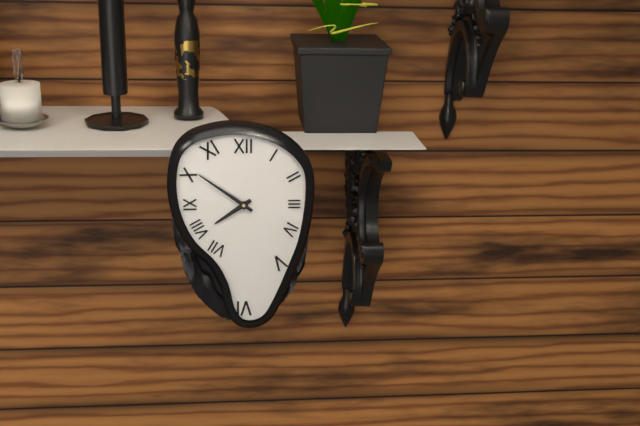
7h51
